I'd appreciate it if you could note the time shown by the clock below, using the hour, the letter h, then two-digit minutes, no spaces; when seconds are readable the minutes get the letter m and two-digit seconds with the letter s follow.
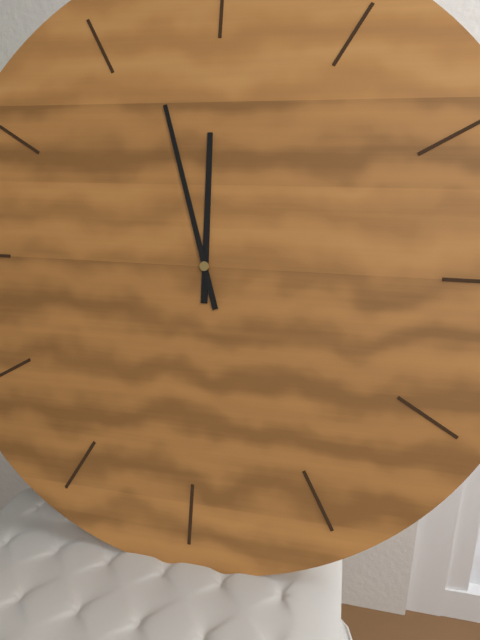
11h57
